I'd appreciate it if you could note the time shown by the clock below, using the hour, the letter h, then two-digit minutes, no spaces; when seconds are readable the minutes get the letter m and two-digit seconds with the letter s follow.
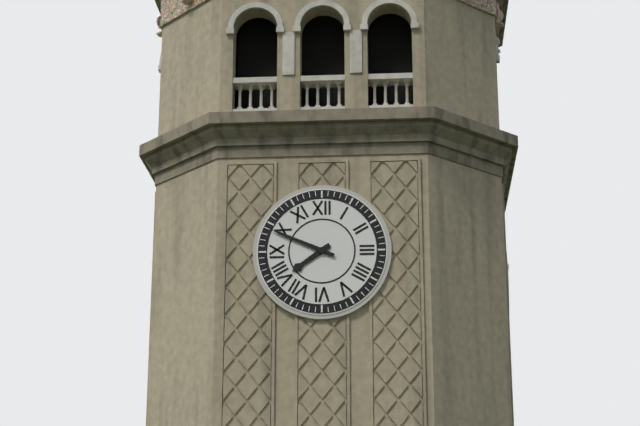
7h49
